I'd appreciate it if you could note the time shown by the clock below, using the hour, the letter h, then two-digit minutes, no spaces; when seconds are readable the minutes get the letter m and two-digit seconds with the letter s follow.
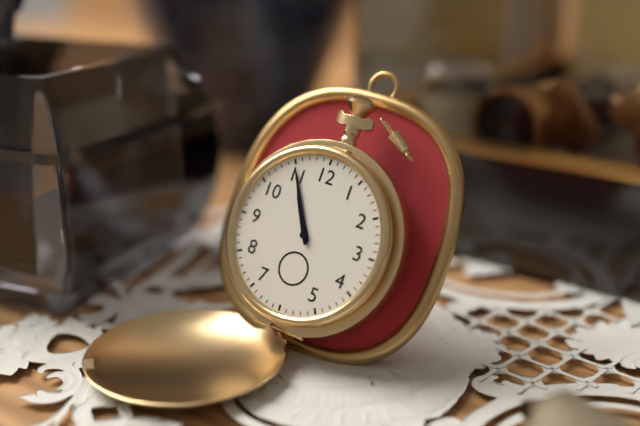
10h55
